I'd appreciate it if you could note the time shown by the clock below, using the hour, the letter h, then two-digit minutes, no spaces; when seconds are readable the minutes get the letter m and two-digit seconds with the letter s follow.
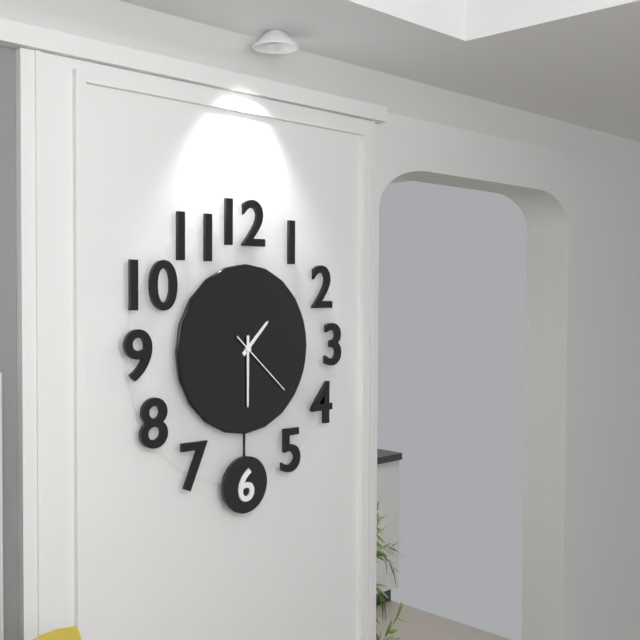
1h30m22s
